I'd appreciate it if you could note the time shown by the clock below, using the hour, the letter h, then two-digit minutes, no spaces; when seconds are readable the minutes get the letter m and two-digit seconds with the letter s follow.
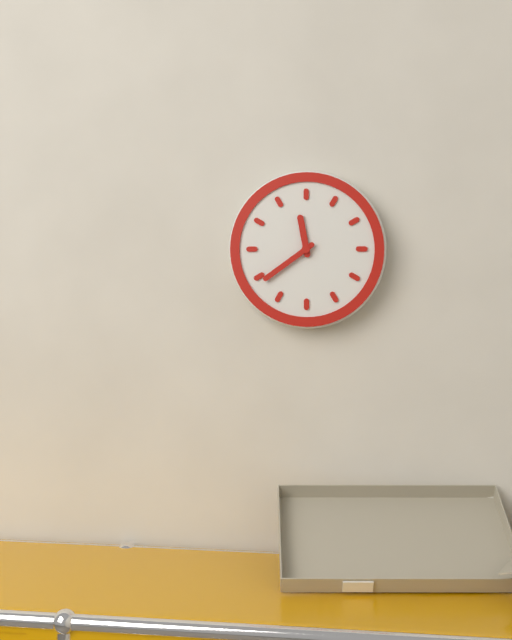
11h39
